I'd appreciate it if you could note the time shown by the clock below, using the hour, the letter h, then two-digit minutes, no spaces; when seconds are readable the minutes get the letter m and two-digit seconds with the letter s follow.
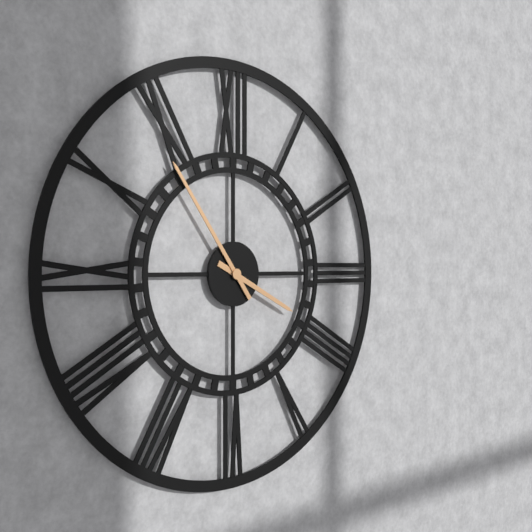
3h54
